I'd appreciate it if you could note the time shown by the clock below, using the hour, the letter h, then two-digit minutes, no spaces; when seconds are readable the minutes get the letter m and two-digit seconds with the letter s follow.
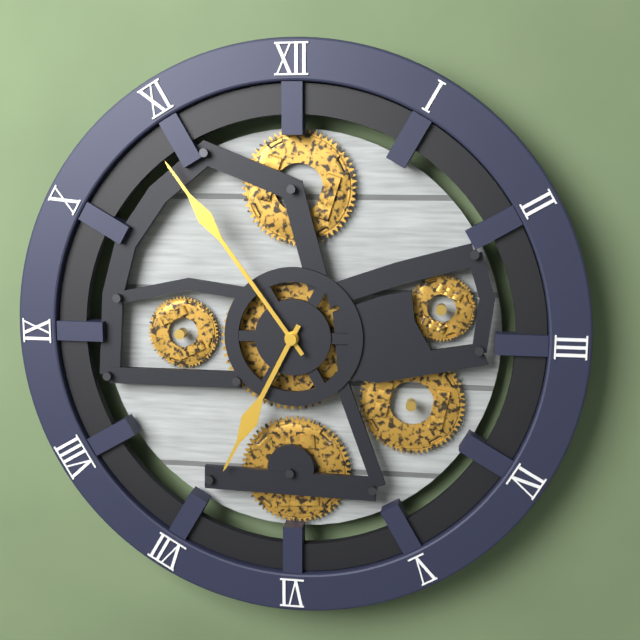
6h54
